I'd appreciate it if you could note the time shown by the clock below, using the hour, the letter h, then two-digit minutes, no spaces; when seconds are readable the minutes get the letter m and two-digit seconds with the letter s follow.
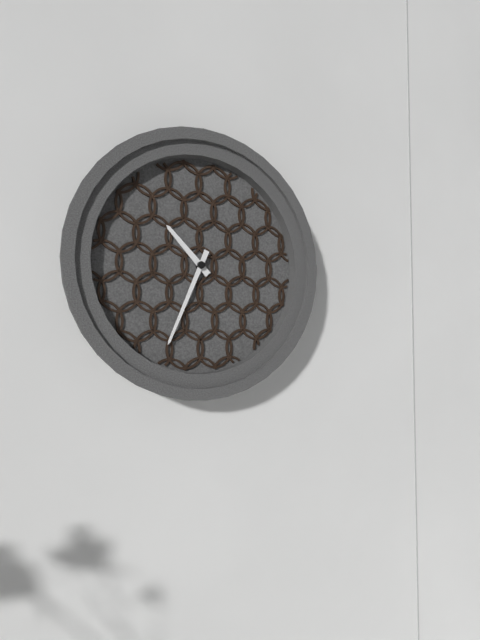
10h34
